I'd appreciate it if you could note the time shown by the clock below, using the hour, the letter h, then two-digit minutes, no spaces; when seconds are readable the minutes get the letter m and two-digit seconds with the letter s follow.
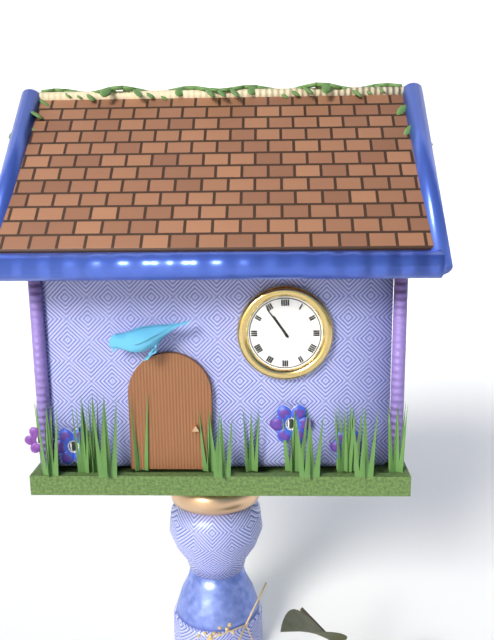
10h54
